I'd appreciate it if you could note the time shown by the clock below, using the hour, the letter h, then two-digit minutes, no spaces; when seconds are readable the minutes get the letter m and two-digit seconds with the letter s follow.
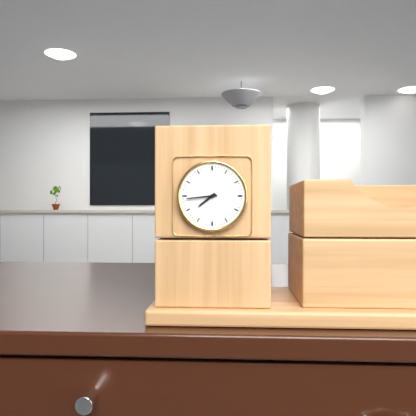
7h44
